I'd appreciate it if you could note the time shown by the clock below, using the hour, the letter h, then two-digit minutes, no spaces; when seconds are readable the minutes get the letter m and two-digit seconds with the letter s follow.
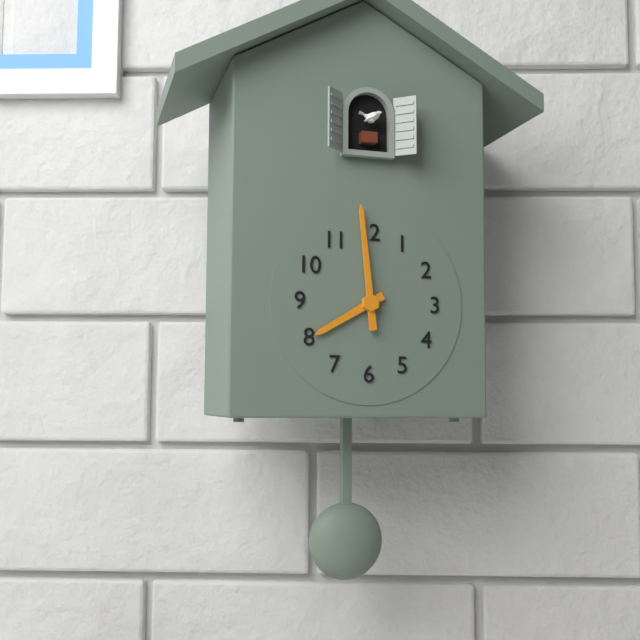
7h59
